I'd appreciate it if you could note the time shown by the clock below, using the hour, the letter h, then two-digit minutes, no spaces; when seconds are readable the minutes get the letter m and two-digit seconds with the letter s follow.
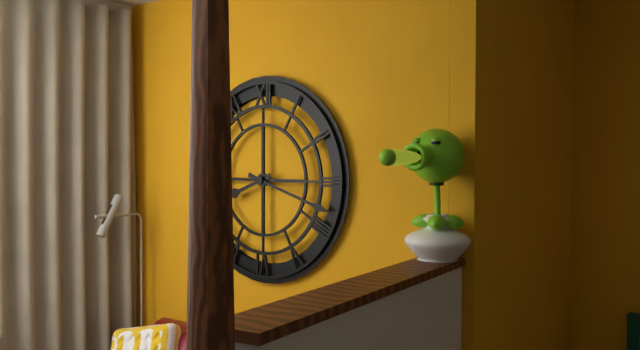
8h18
